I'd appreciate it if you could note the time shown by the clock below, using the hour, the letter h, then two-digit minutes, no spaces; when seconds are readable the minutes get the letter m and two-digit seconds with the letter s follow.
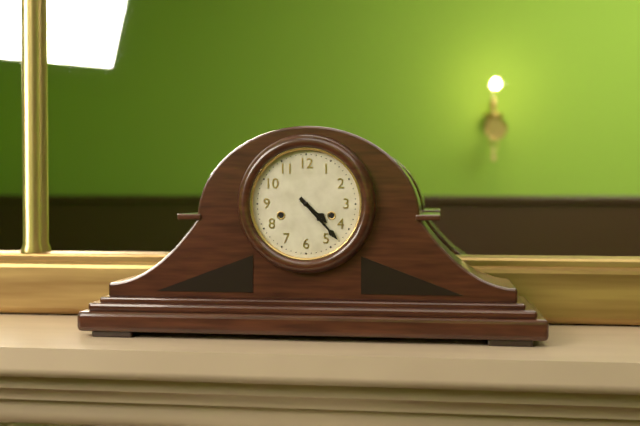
4h23
